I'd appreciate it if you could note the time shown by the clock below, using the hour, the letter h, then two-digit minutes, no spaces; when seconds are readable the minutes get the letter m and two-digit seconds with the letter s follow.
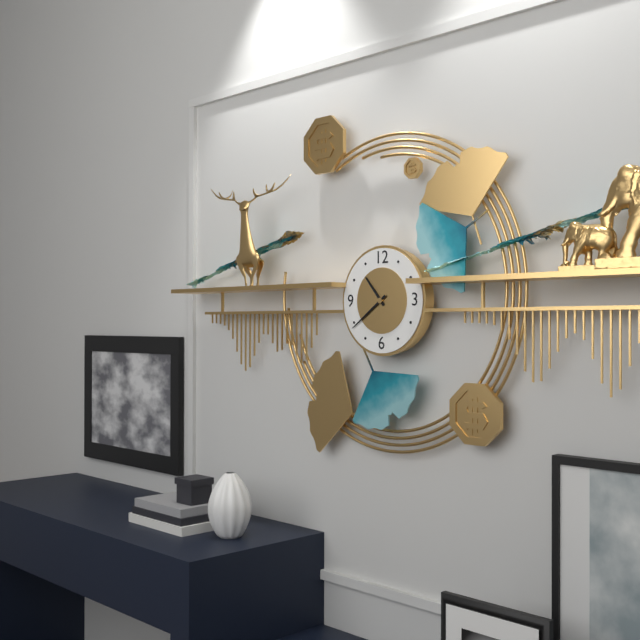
10h39
